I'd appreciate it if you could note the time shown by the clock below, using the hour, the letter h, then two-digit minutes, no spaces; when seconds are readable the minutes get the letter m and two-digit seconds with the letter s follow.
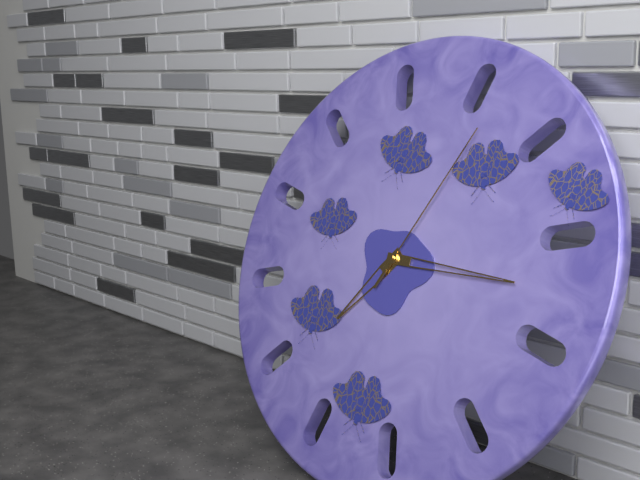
7h15m04s
